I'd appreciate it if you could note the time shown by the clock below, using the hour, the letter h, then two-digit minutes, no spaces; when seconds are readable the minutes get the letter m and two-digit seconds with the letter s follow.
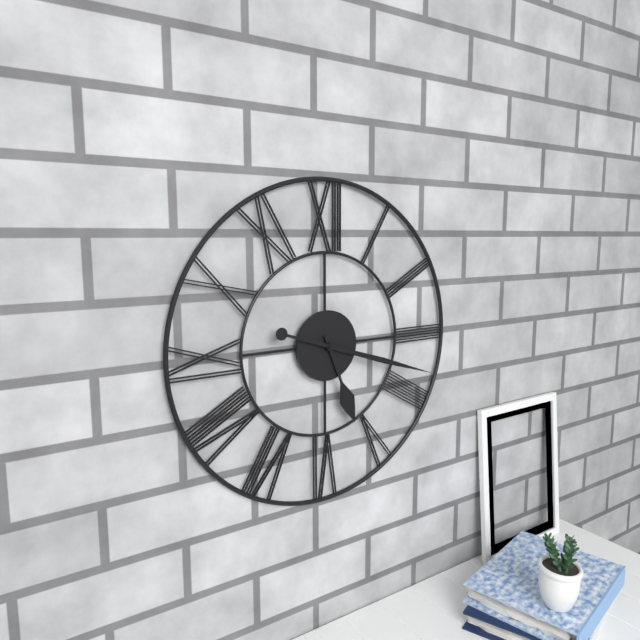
5h18
